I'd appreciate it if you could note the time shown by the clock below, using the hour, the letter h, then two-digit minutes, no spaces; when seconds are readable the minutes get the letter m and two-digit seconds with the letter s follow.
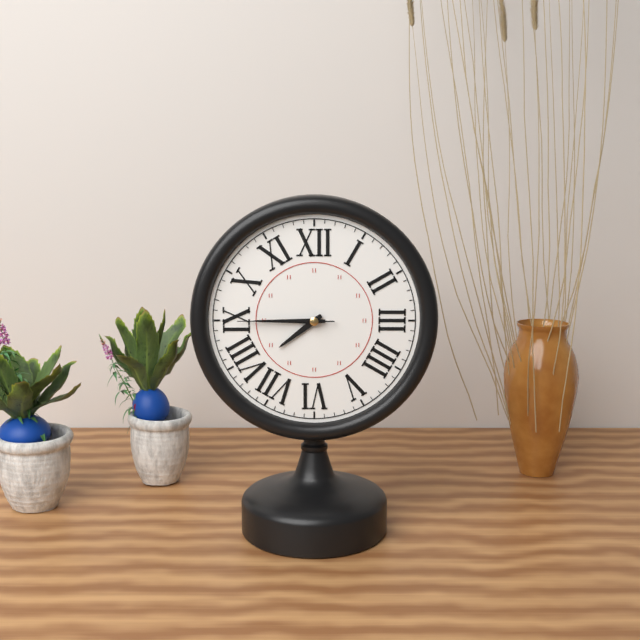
7h45m45s
